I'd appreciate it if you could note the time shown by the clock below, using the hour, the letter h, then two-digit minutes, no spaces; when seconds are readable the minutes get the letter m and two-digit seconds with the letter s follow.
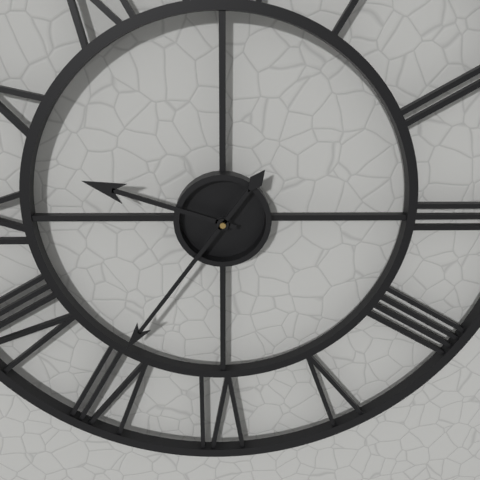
9h36
